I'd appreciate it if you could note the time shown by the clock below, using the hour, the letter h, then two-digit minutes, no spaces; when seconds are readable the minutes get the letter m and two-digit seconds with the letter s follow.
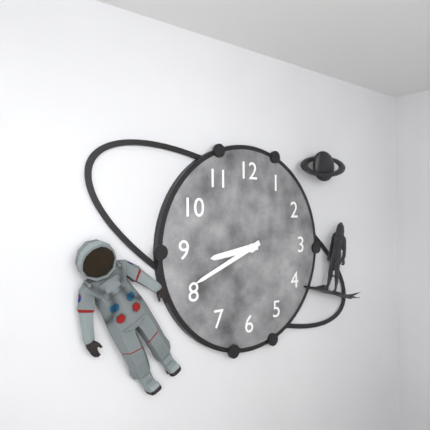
8h41
